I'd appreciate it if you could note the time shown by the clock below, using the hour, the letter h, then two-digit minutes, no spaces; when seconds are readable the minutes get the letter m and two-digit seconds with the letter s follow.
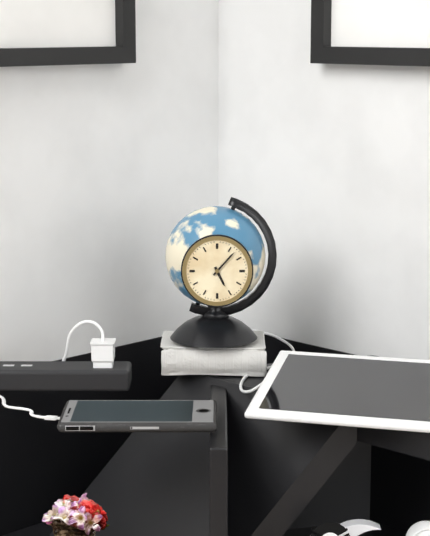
5h07
